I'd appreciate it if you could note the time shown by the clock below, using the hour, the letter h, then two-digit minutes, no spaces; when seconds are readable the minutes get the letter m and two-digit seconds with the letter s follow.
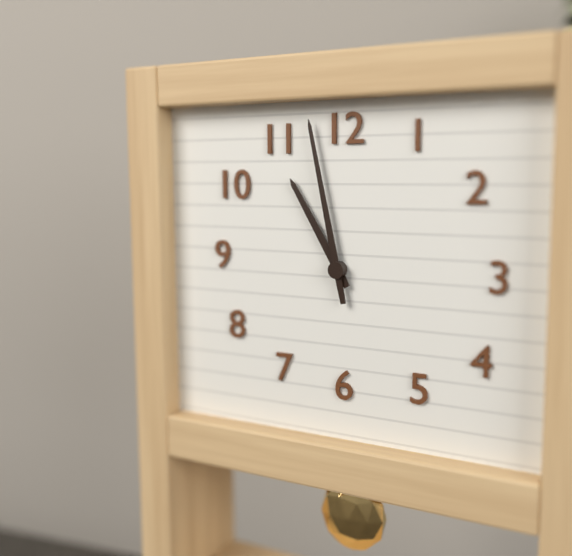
10h58
